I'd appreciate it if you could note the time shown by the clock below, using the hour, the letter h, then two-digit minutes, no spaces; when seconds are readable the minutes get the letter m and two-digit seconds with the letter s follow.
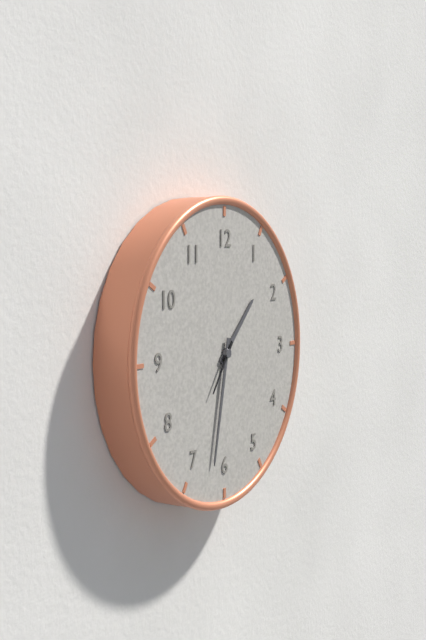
1h32m36s
